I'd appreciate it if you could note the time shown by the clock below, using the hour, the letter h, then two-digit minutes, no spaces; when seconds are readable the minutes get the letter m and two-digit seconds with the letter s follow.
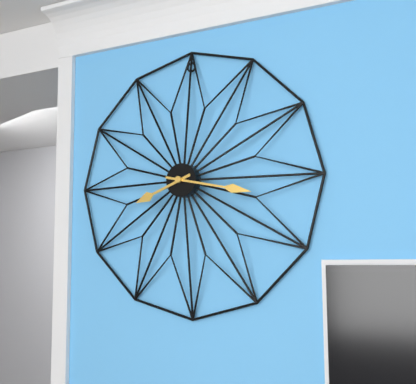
8h17
